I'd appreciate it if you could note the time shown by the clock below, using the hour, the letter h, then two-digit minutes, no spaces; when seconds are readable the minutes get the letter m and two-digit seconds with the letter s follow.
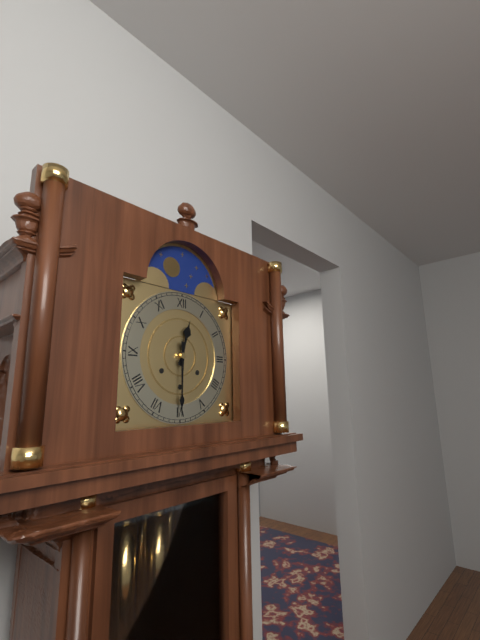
12h30
